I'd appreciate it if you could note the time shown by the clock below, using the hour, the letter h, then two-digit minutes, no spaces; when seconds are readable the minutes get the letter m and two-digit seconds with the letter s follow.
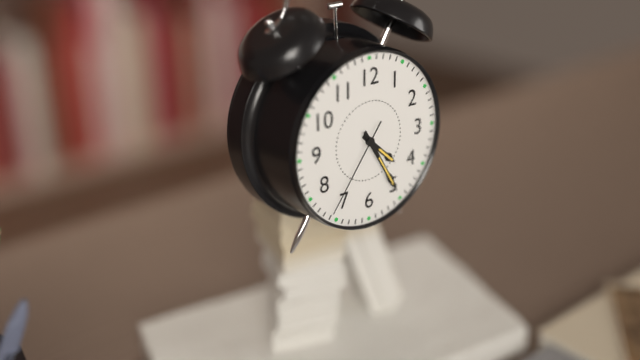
4h25m36s
